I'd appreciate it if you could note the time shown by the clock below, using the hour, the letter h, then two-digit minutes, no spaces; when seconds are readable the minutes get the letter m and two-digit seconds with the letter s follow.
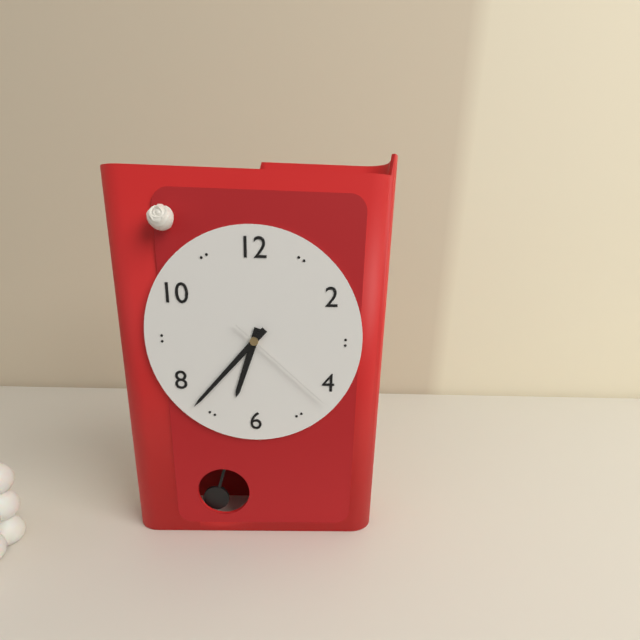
6h37m22s
